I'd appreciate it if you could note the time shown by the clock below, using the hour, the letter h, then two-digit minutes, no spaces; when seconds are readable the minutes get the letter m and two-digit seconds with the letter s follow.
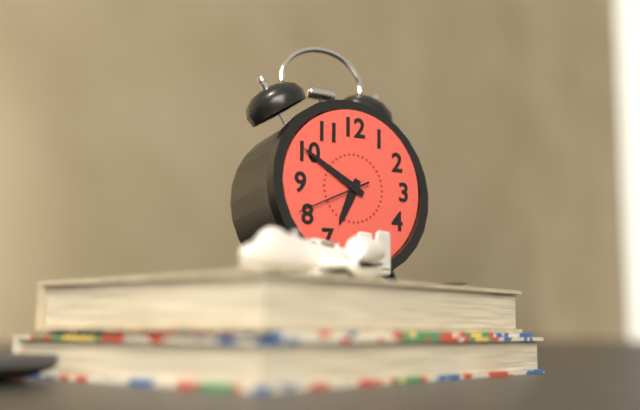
6h50m41s
